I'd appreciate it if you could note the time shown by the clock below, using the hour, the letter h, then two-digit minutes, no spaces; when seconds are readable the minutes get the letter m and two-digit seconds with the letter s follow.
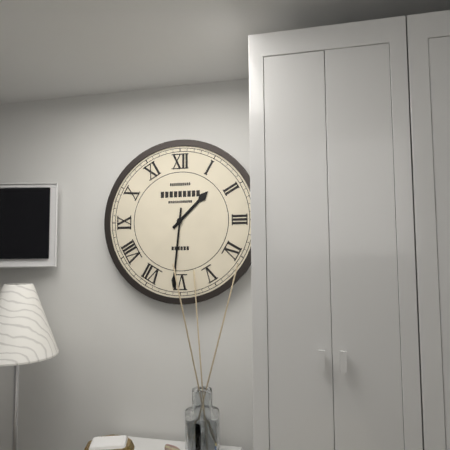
1h31
